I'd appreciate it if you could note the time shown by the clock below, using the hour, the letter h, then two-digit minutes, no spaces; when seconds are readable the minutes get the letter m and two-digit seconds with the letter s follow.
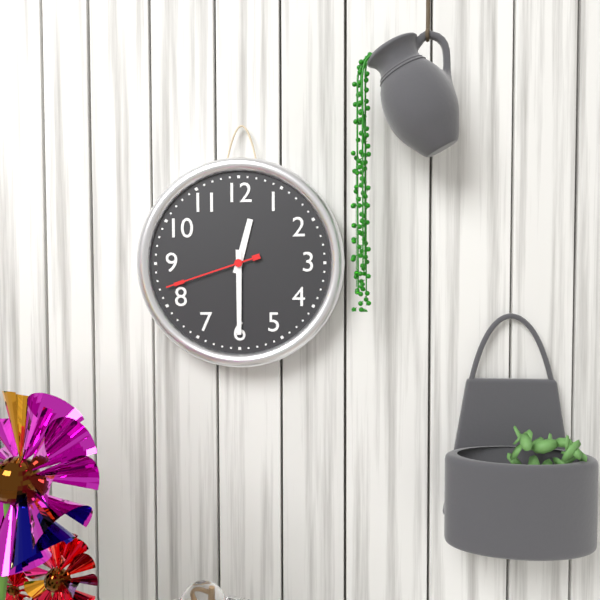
12h30m42s
